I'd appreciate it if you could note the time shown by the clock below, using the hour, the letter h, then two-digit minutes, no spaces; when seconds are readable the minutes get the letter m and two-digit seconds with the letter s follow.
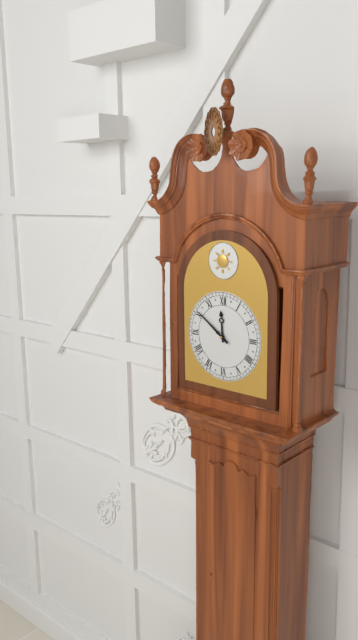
11h51
